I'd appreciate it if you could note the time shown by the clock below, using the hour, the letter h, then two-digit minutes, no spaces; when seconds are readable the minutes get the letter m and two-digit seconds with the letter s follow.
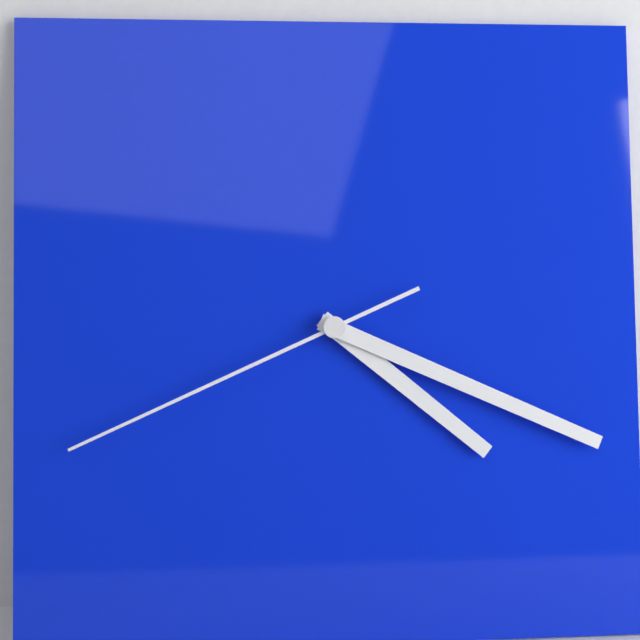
4h19m41s
